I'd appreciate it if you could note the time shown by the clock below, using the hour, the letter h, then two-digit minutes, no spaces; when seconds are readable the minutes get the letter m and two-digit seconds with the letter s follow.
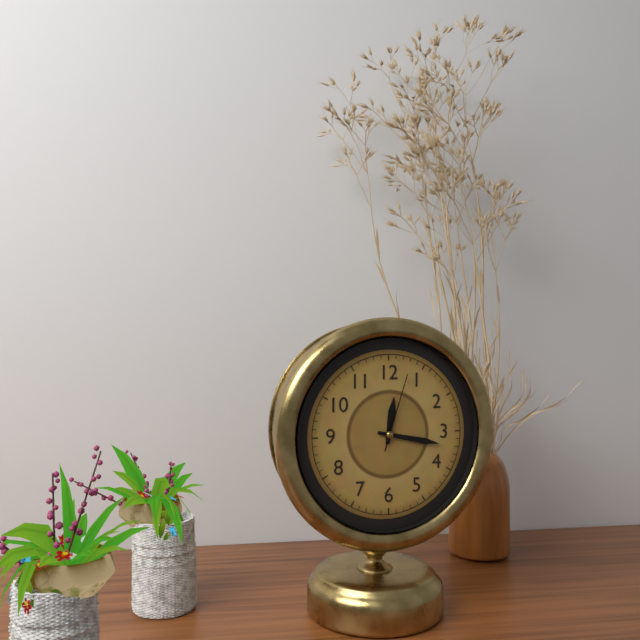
12h17m03s
